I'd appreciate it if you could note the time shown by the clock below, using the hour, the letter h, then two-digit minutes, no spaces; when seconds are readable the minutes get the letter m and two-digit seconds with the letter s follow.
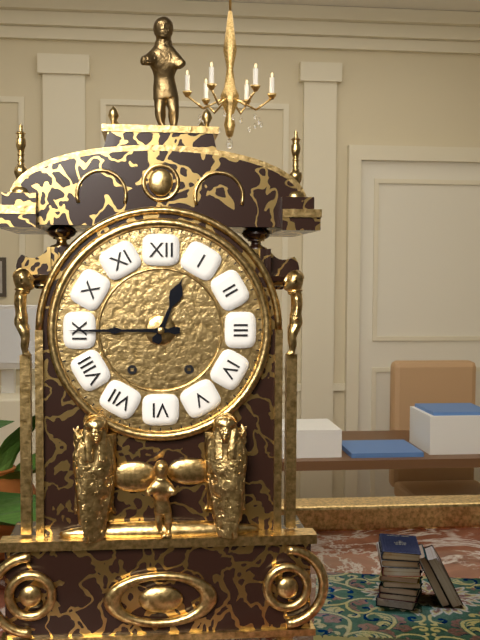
12h45
